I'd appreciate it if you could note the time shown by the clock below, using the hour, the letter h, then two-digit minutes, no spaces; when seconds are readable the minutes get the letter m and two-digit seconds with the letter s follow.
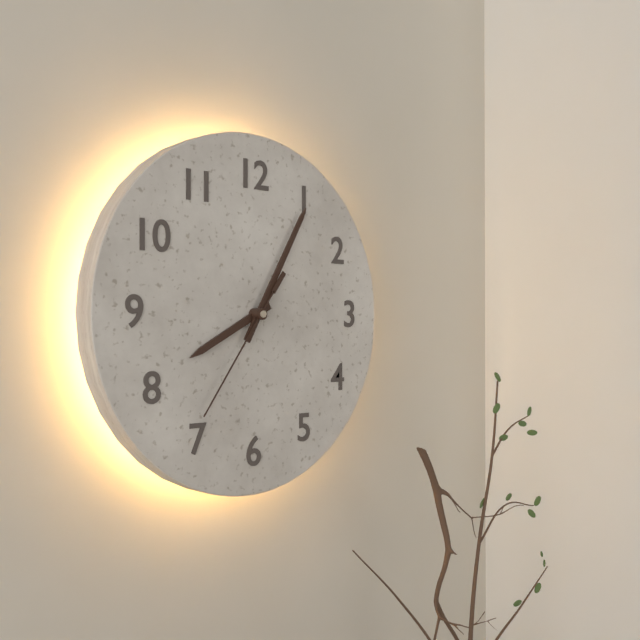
8h05m36s
